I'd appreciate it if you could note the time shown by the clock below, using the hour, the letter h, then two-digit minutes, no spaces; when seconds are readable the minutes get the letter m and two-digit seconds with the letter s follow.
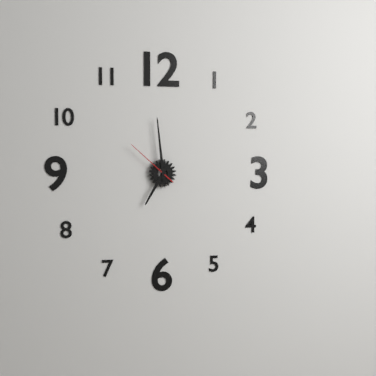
6h59m52s
